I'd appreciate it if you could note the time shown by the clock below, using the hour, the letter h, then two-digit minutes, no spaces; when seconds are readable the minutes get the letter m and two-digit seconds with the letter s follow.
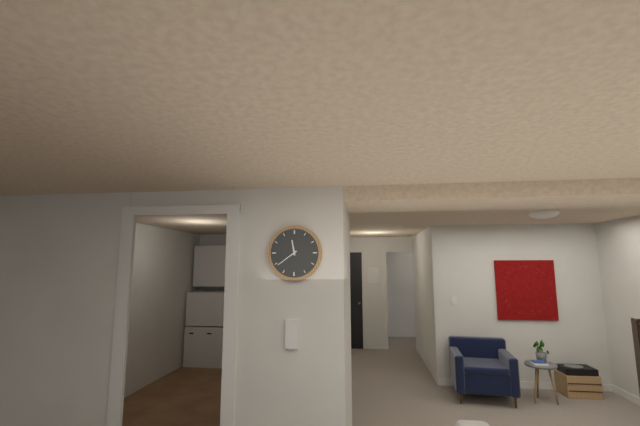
11h39
